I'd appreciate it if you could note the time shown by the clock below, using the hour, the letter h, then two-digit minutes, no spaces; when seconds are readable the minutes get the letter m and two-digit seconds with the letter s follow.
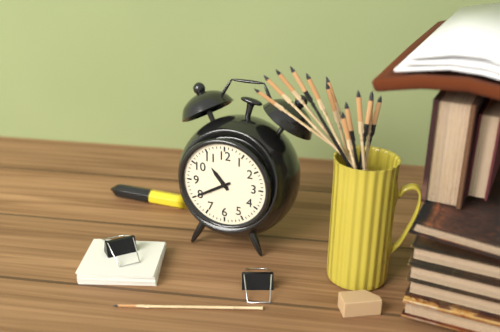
10h40
